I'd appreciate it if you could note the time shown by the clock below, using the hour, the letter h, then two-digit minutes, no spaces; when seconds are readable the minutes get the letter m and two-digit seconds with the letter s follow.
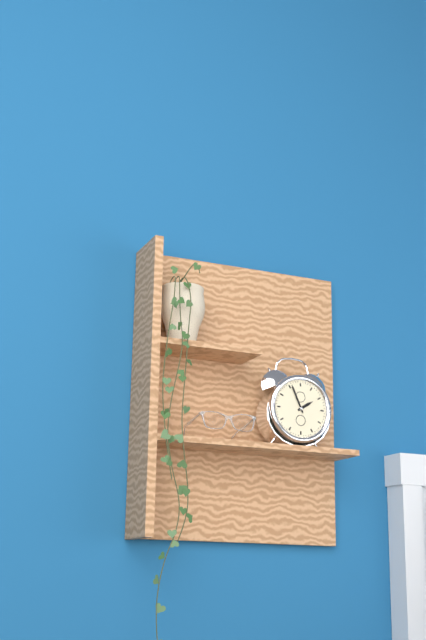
1h56
